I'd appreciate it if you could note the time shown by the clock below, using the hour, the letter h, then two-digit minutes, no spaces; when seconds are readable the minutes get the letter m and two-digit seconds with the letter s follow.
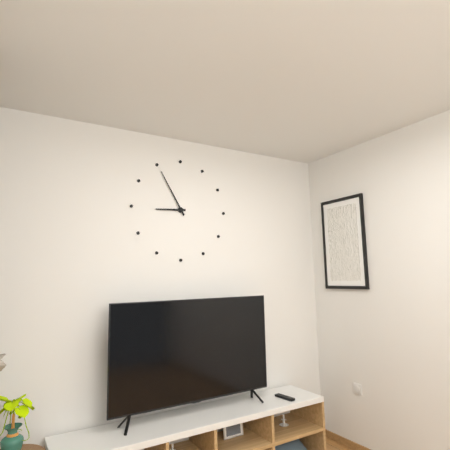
8h55
